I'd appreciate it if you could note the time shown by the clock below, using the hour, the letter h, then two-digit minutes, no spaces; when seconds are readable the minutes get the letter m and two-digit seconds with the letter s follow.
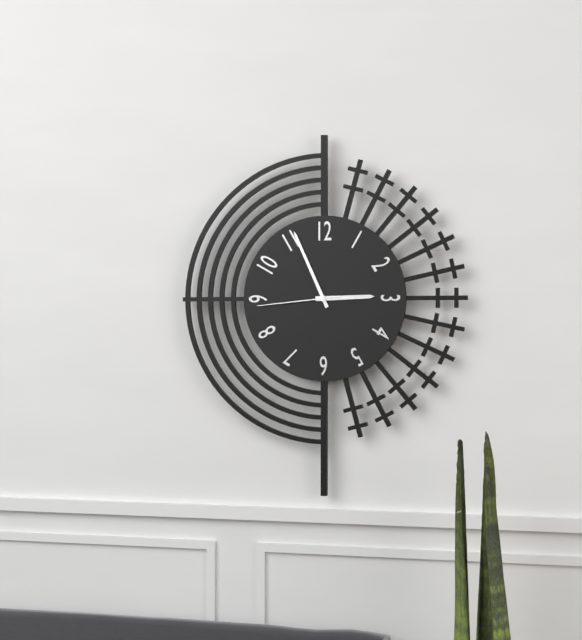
2h56m44s
